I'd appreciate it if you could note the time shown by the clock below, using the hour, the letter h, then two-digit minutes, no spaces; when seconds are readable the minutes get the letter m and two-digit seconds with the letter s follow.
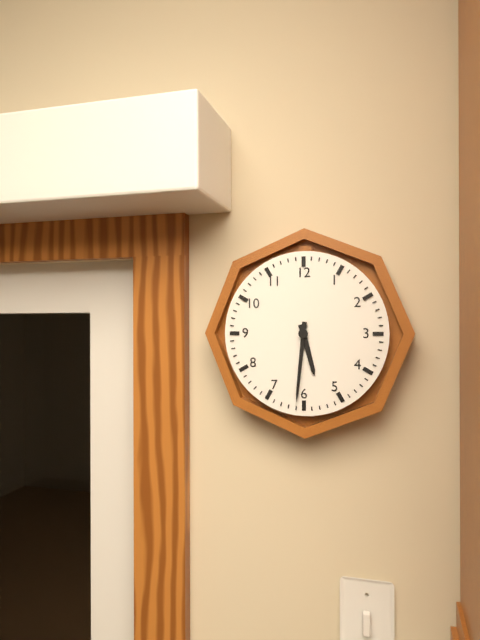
5h31
